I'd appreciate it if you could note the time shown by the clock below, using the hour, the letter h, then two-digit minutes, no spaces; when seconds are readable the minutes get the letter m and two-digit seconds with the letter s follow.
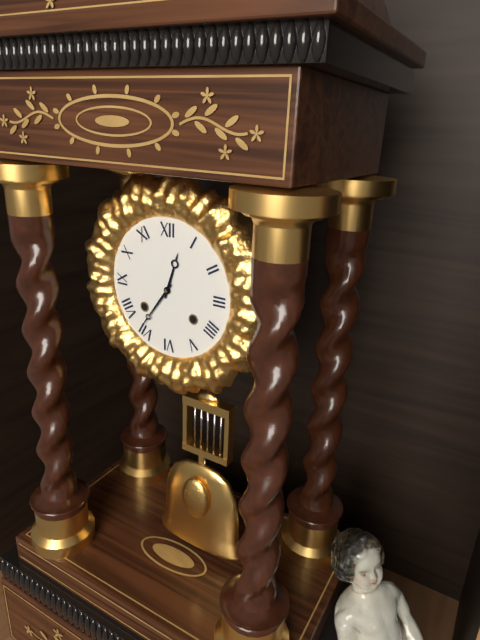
12h36
